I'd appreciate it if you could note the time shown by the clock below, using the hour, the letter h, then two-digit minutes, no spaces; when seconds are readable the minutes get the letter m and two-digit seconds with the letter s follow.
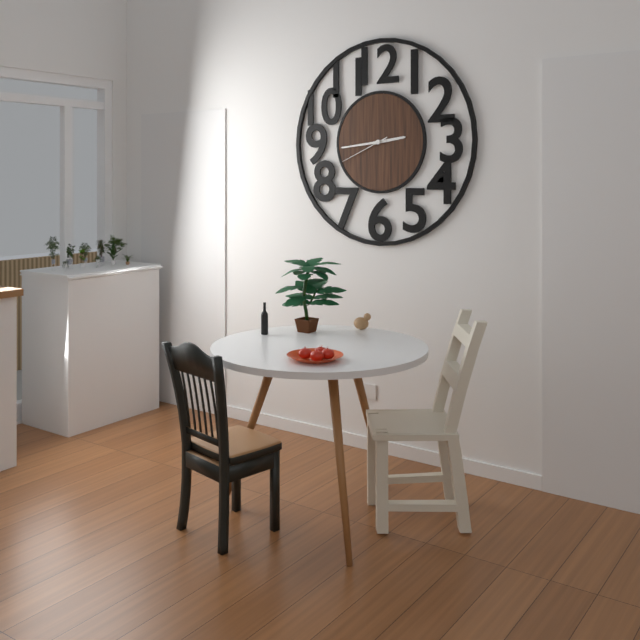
2h44m41s
